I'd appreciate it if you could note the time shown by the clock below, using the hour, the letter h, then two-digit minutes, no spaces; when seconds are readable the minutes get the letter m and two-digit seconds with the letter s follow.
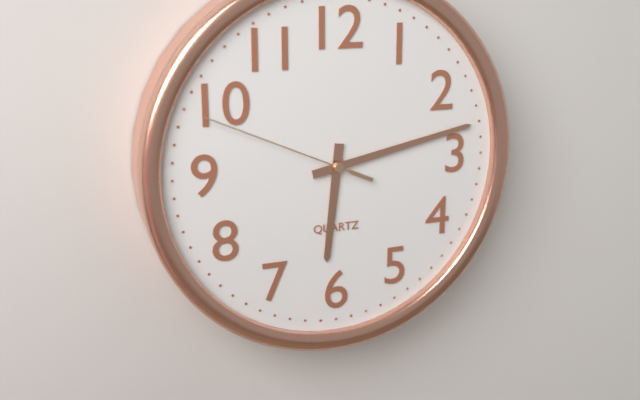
6h13m49s
